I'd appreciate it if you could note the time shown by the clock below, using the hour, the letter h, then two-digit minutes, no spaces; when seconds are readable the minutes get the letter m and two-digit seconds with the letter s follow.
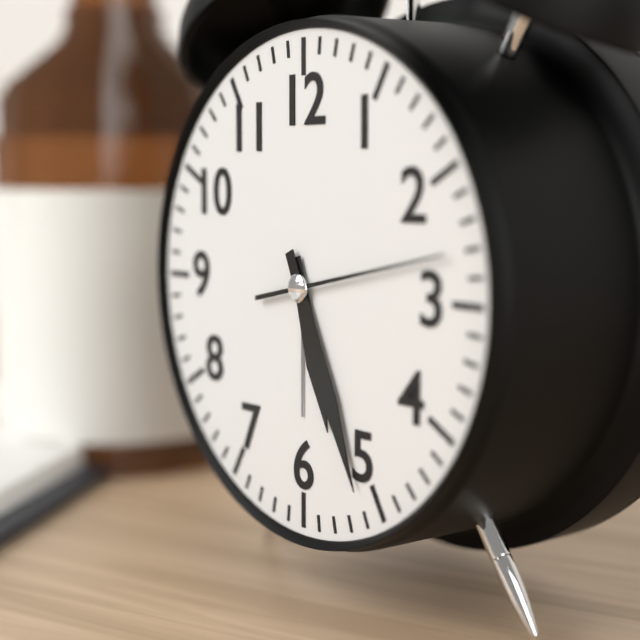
5h26m13s
